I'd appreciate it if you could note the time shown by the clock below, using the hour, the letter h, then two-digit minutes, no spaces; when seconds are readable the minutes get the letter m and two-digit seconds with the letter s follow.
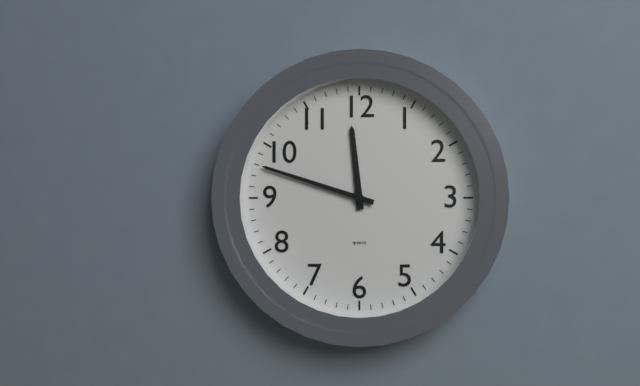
11h48
